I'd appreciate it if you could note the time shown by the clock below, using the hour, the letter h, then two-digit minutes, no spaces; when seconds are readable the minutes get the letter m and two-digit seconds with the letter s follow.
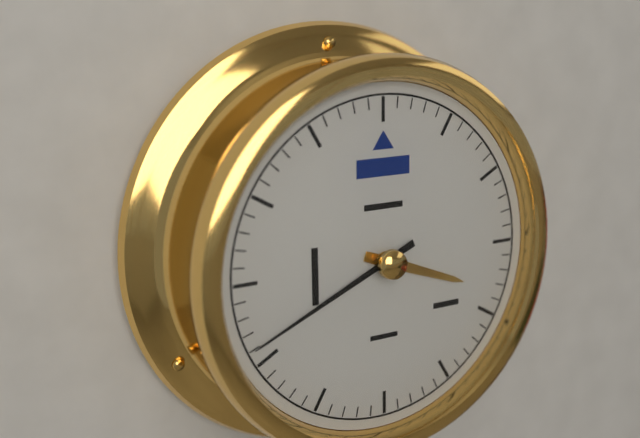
3h41
